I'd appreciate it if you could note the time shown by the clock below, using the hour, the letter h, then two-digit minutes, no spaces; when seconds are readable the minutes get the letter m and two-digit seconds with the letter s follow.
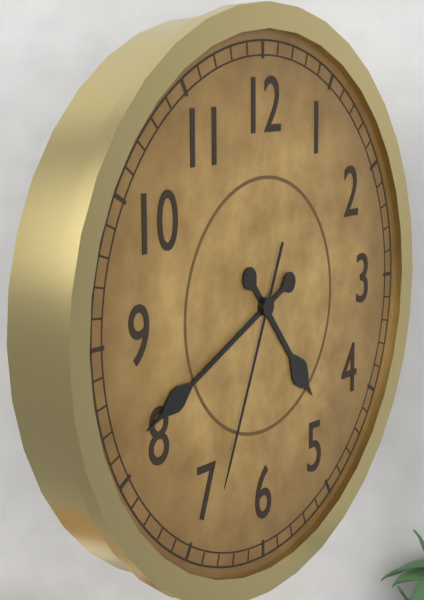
4h41m34s
